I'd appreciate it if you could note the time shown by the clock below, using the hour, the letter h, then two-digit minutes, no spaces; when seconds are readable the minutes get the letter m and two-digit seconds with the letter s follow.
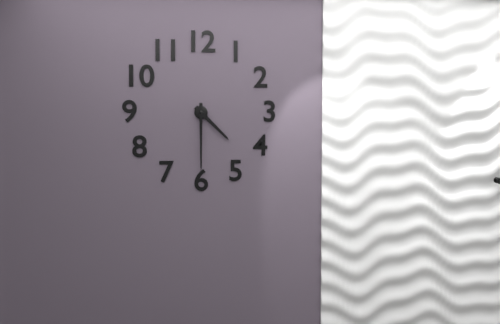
4h30
